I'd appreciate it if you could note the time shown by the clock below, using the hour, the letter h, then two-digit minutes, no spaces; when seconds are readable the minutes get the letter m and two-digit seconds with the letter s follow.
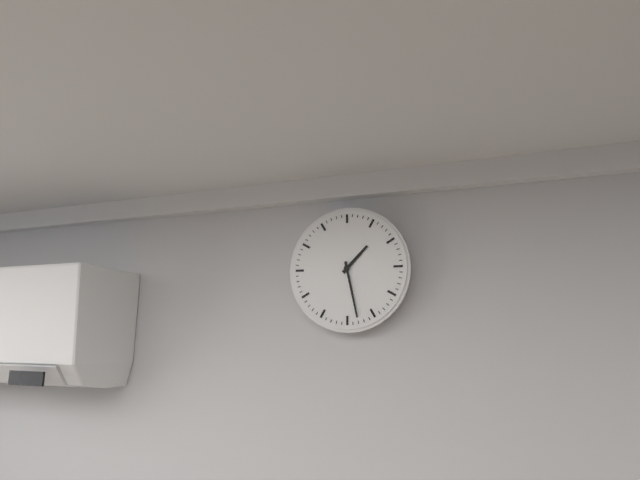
1h28
